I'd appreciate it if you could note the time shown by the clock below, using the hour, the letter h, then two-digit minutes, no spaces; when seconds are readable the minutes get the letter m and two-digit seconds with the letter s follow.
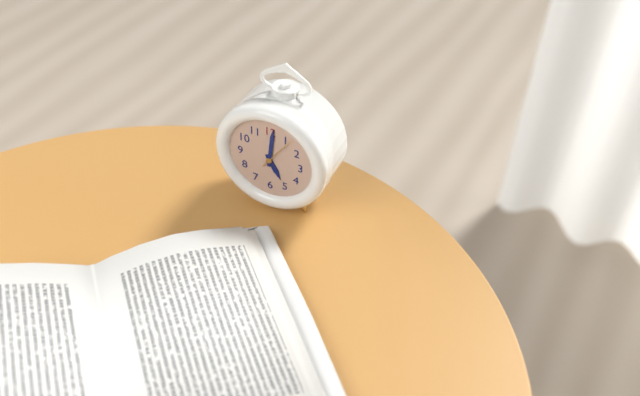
5h01
